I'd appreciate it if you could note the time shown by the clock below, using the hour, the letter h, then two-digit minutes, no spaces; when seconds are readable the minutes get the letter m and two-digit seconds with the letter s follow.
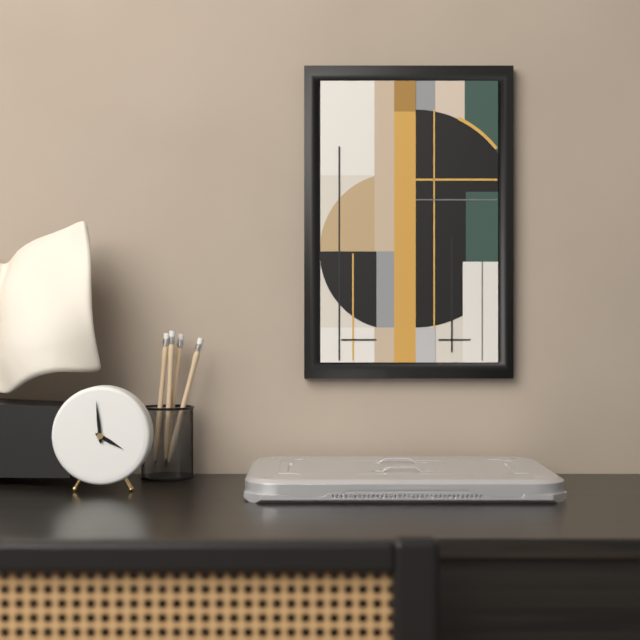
3h59
